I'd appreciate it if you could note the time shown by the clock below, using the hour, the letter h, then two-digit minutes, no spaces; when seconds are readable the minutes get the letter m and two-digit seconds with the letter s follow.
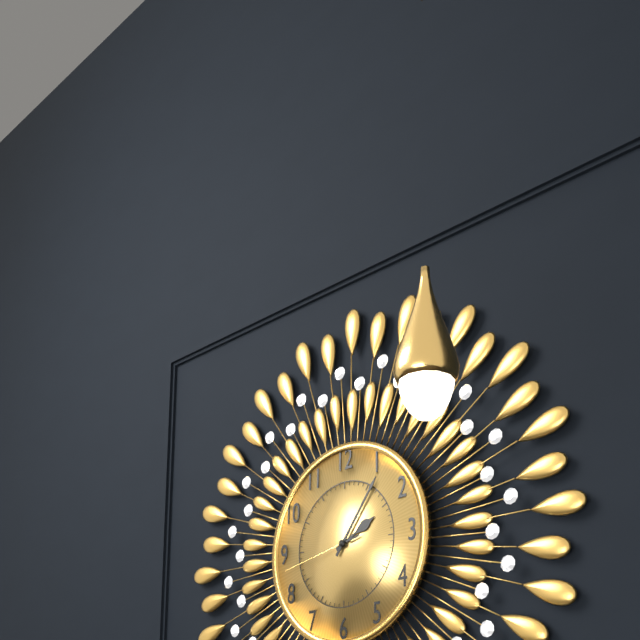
2h06m43s
